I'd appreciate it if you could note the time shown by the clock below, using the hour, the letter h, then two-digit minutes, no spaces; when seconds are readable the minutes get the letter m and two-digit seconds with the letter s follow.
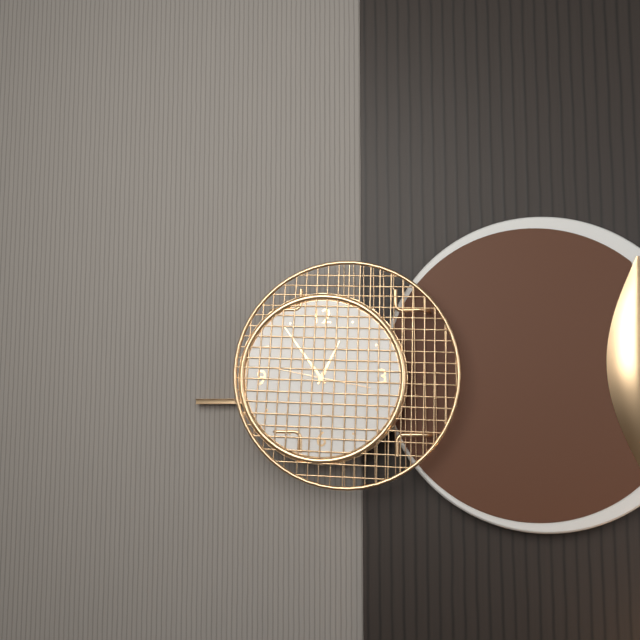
12h54m17s
